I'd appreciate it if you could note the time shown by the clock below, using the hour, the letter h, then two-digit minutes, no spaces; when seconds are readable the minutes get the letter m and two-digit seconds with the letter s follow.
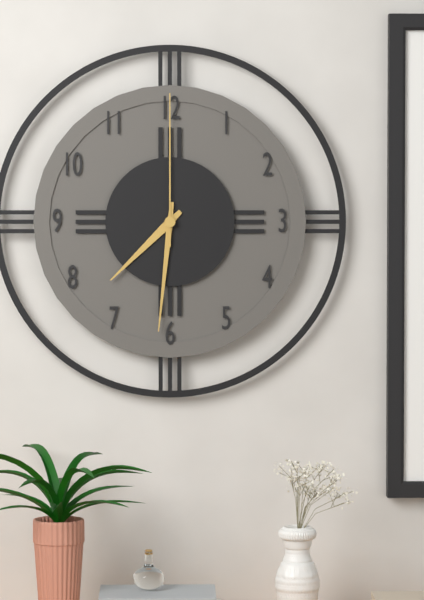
7h31m00s
